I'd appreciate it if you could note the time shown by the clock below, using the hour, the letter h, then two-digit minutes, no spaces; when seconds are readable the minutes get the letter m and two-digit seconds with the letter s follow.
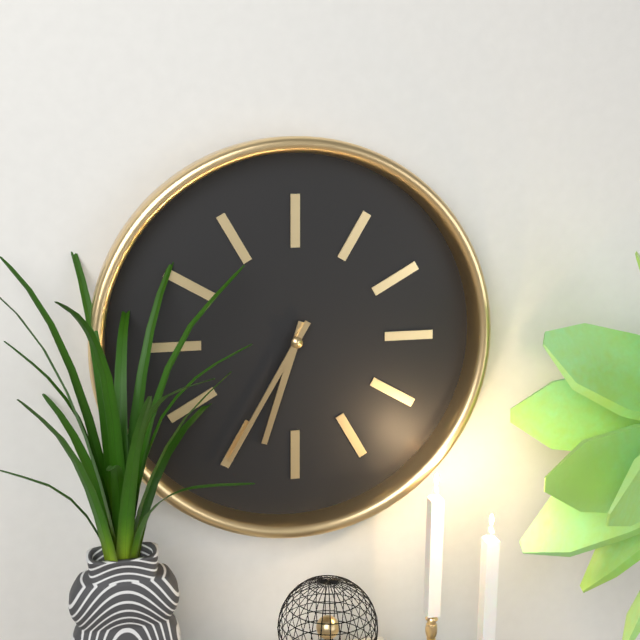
6h35
